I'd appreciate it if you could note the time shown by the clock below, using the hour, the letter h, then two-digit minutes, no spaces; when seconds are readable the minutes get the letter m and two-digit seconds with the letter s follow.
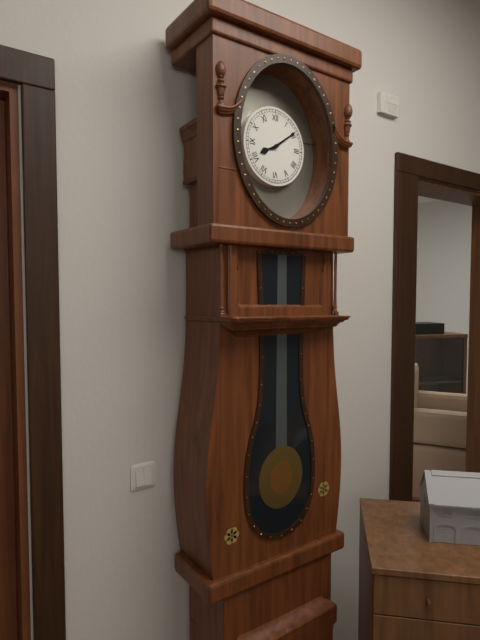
8h09
